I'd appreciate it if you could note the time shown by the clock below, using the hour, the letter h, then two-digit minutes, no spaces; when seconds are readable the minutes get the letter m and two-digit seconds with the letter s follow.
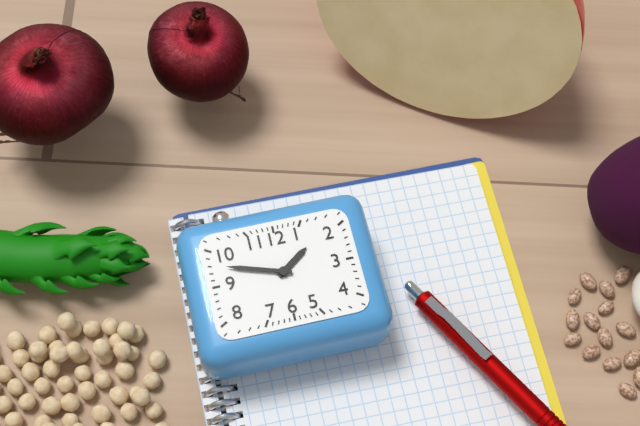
1h48
